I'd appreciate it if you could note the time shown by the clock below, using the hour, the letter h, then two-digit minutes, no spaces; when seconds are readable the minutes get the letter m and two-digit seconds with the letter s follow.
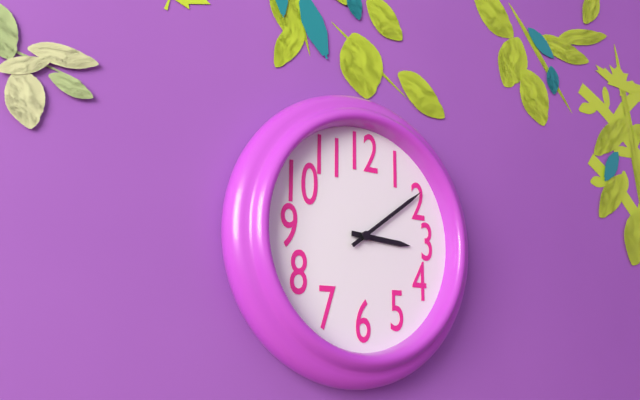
3h09
